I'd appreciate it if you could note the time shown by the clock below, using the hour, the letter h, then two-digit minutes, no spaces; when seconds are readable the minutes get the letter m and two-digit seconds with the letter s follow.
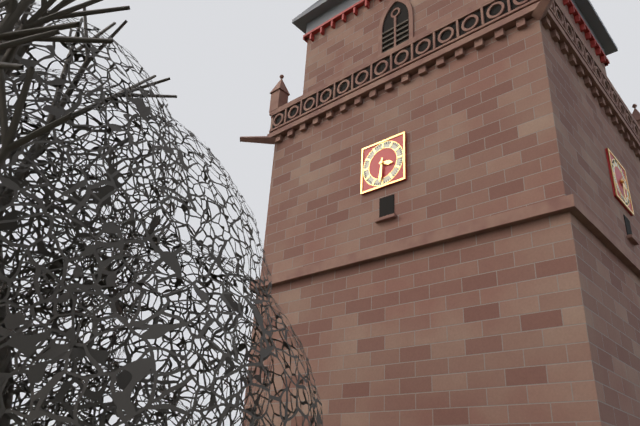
3h31
